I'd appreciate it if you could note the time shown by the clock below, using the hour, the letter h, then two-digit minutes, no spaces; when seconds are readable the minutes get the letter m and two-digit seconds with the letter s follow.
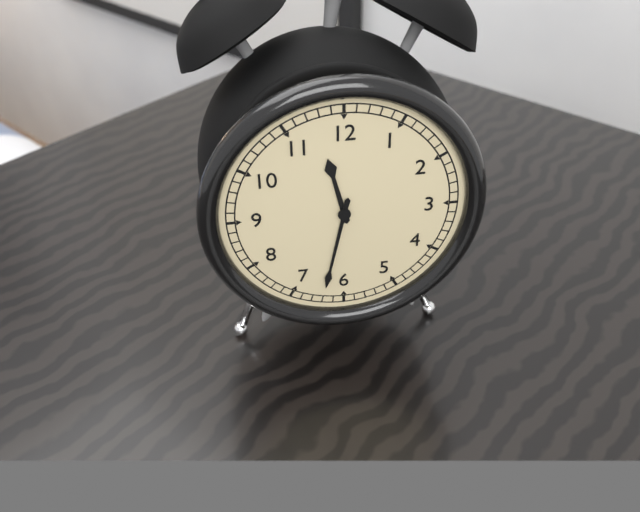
11h32
